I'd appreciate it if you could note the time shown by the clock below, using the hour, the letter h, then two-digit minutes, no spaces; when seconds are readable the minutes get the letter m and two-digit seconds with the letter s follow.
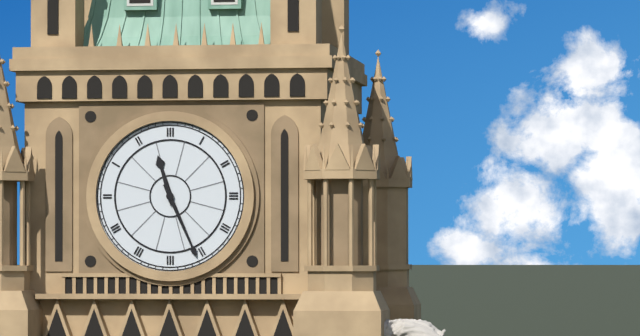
11h26
